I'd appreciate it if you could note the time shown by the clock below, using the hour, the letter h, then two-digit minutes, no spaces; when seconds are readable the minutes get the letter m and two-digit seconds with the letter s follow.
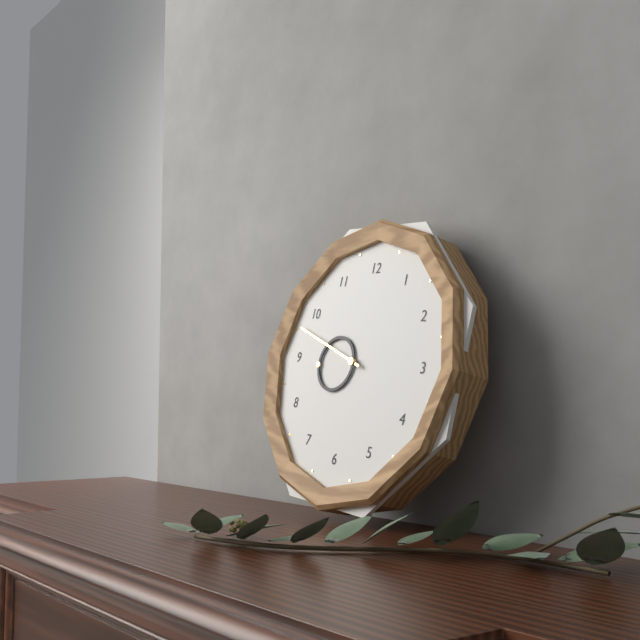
8h48
